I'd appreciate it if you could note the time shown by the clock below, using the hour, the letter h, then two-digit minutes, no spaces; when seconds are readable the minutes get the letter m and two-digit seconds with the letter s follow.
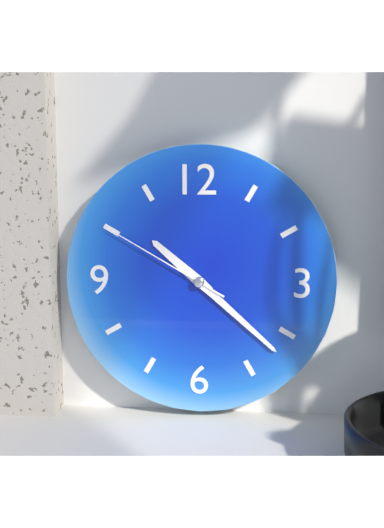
10h22m50s
